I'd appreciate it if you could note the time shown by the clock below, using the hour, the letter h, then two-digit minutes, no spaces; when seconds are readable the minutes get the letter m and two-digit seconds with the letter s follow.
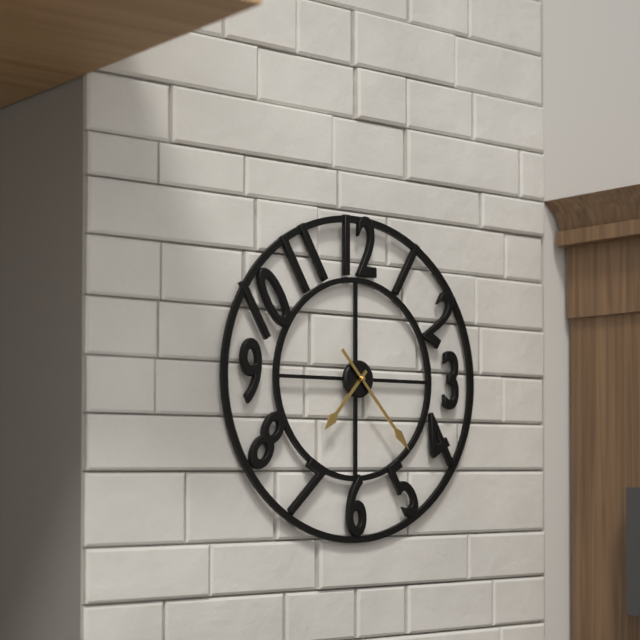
7h23
